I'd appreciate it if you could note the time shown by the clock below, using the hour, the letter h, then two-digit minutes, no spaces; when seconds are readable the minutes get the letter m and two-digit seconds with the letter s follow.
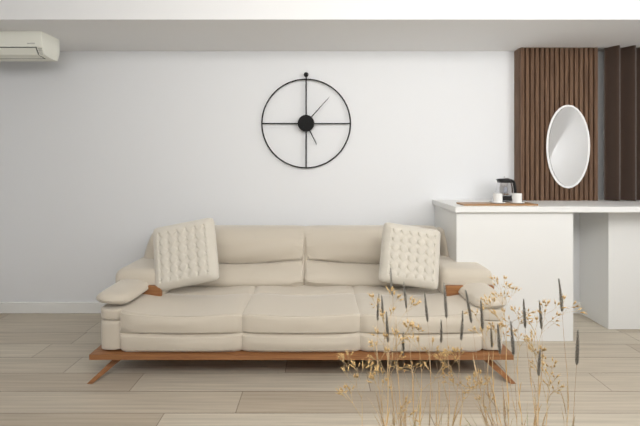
5h07
